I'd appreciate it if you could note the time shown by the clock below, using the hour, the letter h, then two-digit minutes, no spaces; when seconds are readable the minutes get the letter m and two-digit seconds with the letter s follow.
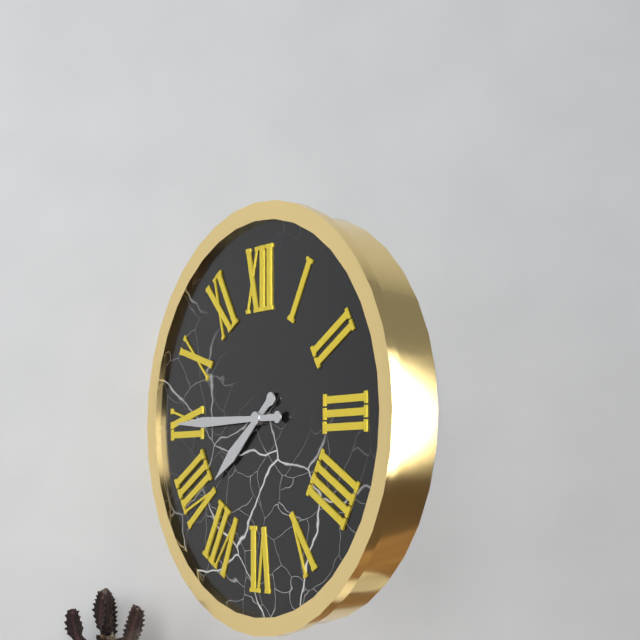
7h45
